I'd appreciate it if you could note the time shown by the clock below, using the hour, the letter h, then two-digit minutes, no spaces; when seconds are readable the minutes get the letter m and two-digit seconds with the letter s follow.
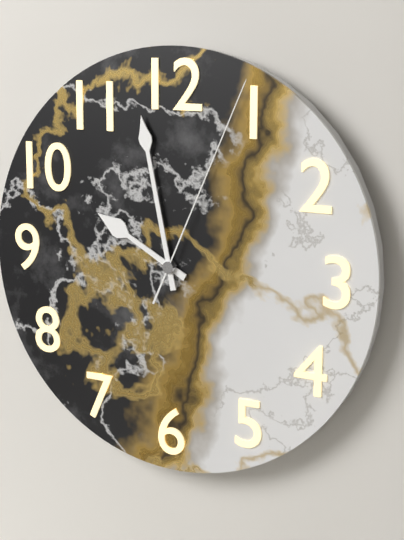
9h58m04s
